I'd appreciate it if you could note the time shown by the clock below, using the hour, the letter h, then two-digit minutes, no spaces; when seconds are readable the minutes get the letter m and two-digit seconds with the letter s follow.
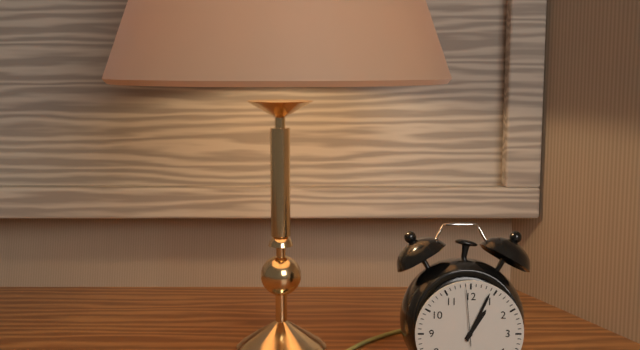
1h04m59s
